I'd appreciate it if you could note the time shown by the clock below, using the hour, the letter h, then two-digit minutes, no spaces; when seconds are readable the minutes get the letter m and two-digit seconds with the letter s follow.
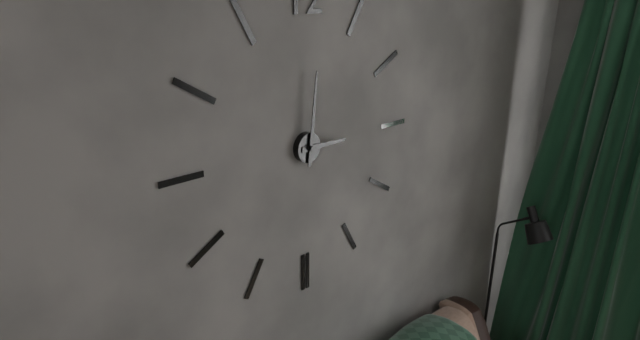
3h01
